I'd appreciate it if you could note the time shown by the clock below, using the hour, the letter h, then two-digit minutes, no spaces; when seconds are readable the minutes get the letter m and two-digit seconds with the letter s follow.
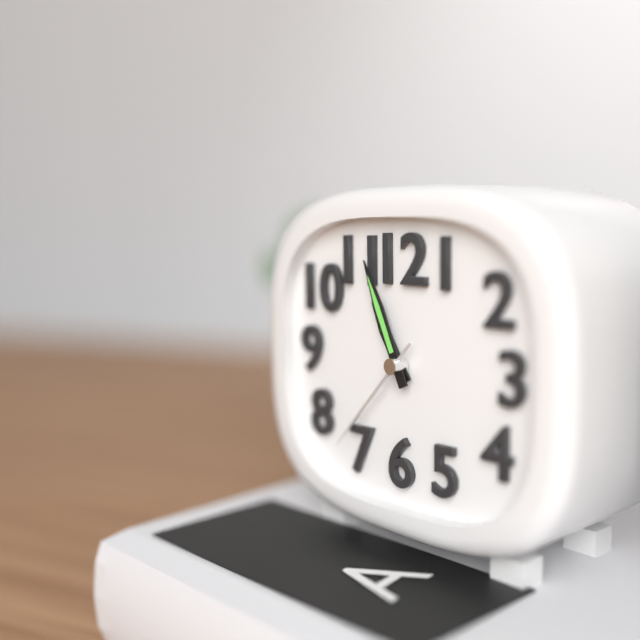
10h56m37s
